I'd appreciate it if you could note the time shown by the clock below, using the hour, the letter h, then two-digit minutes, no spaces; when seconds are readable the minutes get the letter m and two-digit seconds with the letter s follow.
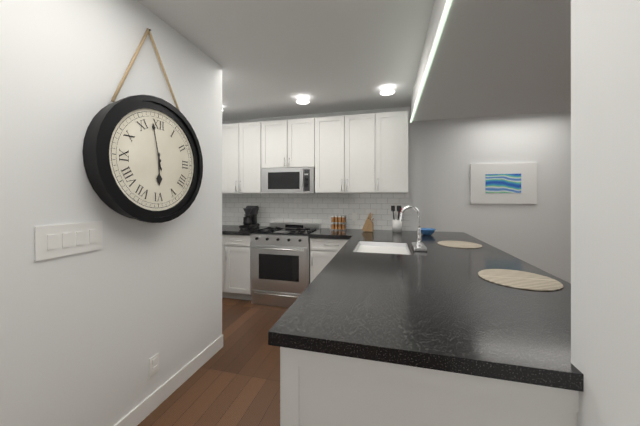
5h58
